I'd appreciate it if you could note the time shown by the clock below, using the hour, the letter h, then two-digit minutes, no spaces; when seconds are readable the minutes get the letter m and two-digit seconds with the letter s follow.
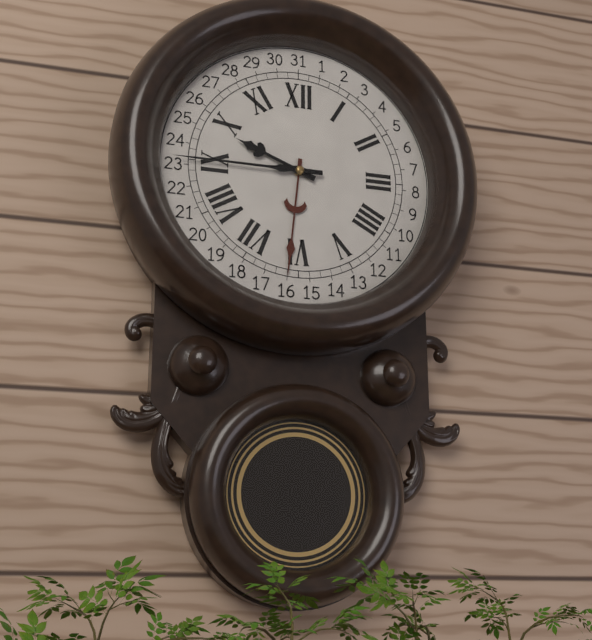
9h45
